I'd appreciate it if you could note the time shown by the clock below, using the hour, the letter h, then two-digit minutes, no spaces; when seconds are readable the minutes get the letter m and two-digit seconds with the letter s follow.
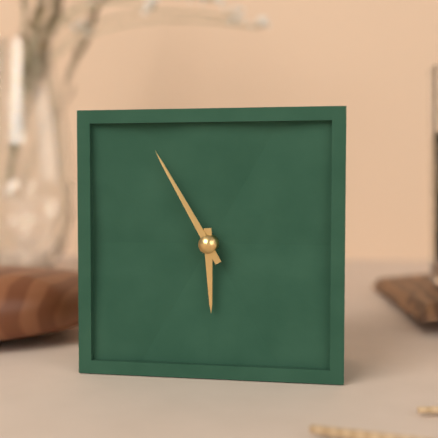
5h55
